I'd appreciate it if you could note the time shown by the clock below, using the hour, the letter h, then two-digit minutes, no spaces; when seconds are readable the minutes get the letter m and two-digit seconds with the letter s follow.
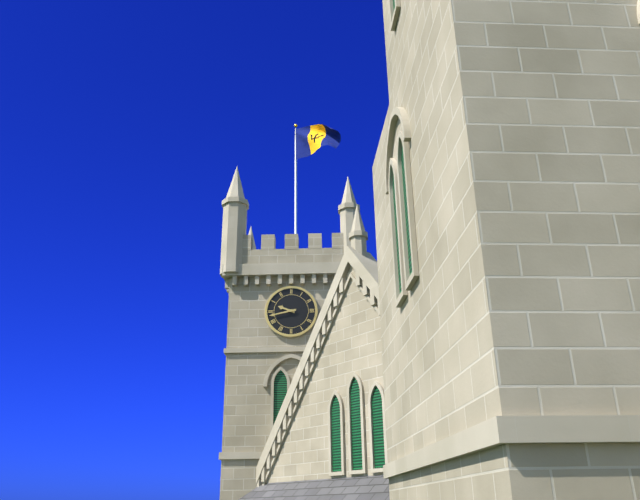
9h43
